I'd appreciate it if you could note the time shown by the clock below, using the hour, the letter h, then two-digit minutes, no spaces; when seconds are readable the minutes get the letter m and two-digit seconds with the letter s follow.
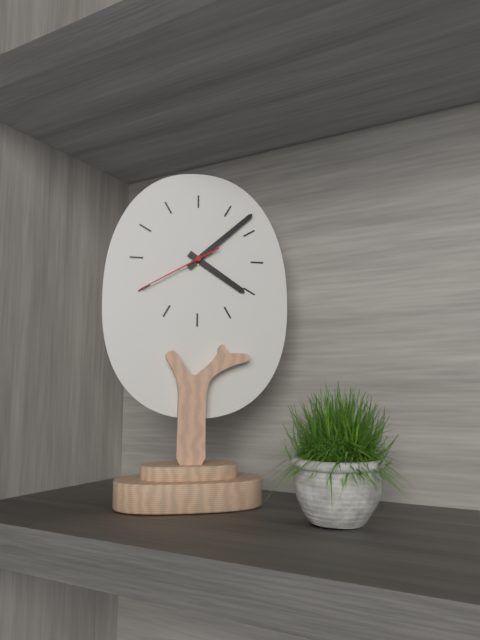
4h08m40s
